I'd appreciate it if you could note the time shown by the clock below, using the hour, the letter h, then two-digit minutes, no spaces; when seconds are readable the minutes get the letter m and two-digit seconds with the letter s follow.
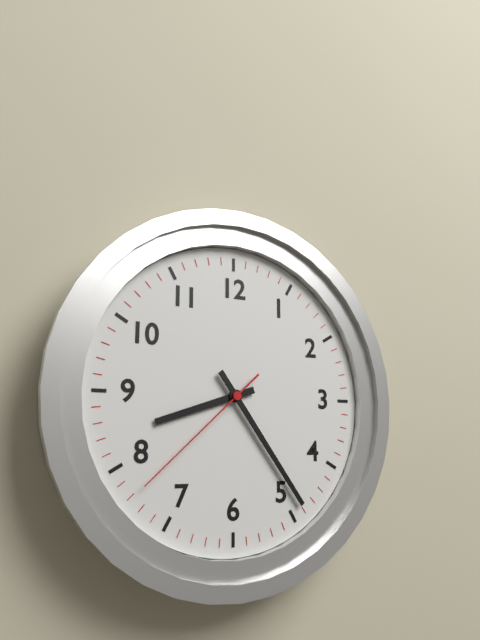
8h24m38s
